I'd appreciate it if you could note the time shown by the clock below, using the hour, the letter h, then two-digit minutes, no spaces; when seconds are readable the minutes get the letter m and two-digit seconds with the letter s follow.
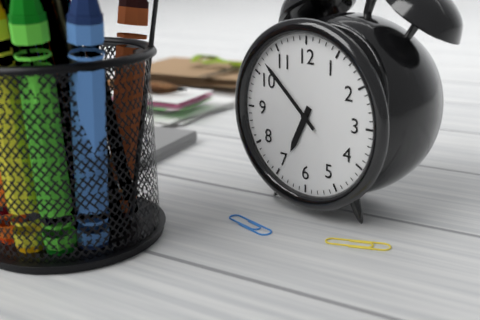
6h52
